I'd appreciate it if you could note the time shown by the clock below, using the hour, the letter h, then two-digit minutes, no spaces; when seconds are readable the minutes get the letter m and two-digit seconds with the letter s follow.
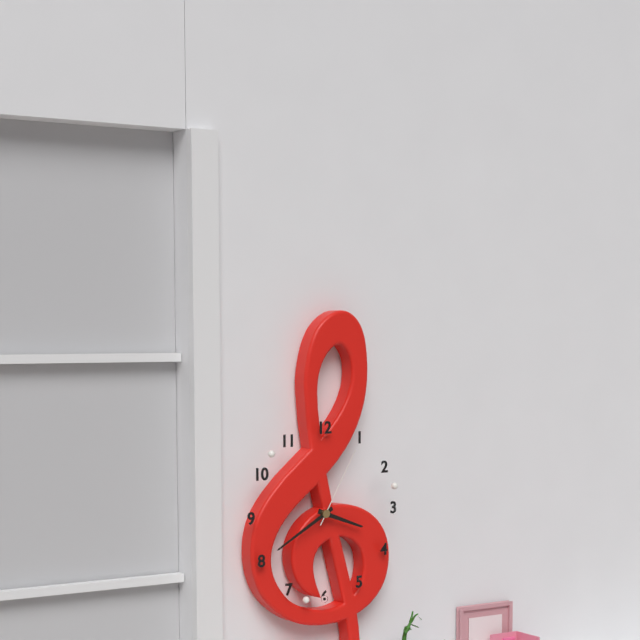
3h40m05s
